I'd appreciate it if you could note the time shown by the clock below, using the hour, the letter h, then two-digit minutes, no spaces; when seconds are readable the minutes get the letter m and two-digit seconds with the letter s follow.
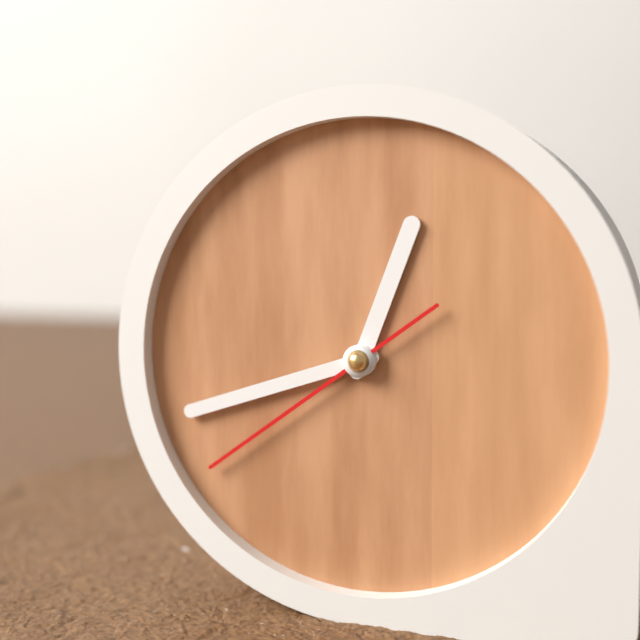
12h42m39s
